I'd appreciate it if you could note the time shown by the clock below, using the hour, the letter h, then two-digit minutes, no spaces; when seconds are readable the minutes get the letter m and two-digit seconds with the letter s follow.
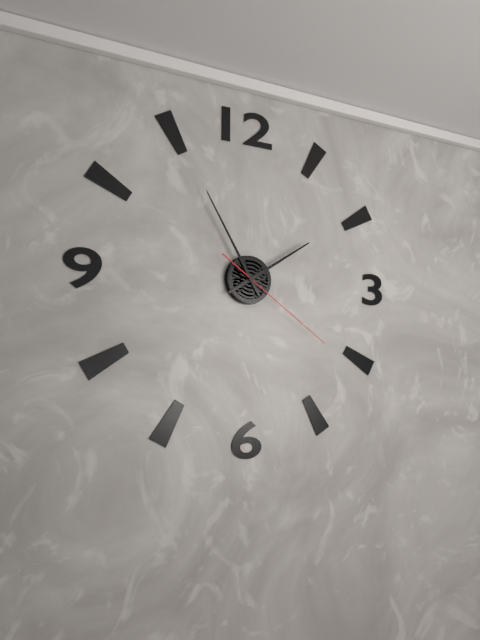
1h55m21s
